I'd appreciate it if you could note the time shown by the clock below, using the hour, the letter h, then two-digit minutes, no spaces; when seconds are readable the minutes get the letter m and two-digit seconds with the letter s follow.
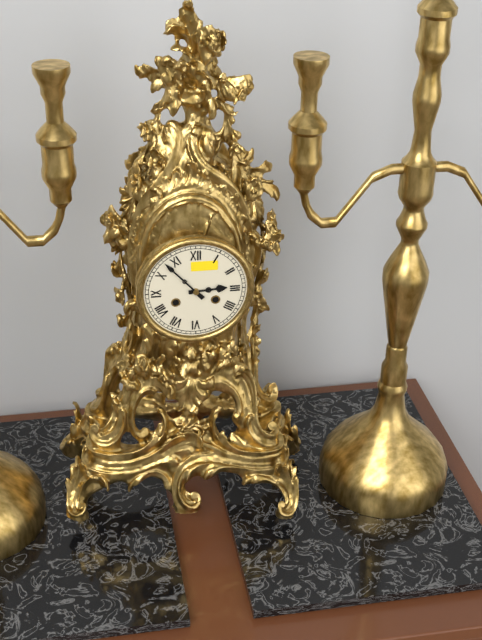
2h53
